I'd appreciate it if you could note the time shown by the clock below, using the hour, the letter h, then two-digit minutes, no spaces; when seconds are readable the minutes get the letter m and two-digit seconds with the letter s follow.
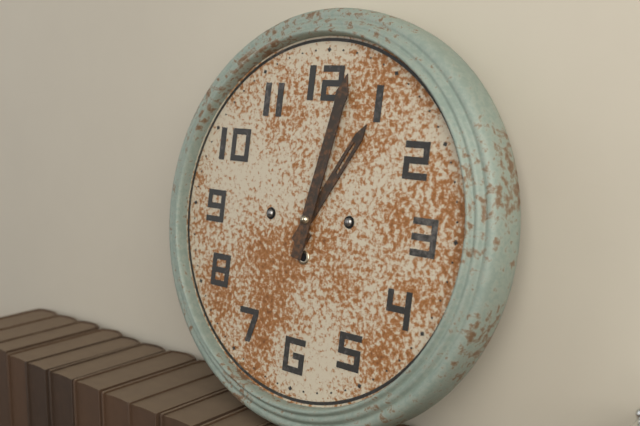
1h02
